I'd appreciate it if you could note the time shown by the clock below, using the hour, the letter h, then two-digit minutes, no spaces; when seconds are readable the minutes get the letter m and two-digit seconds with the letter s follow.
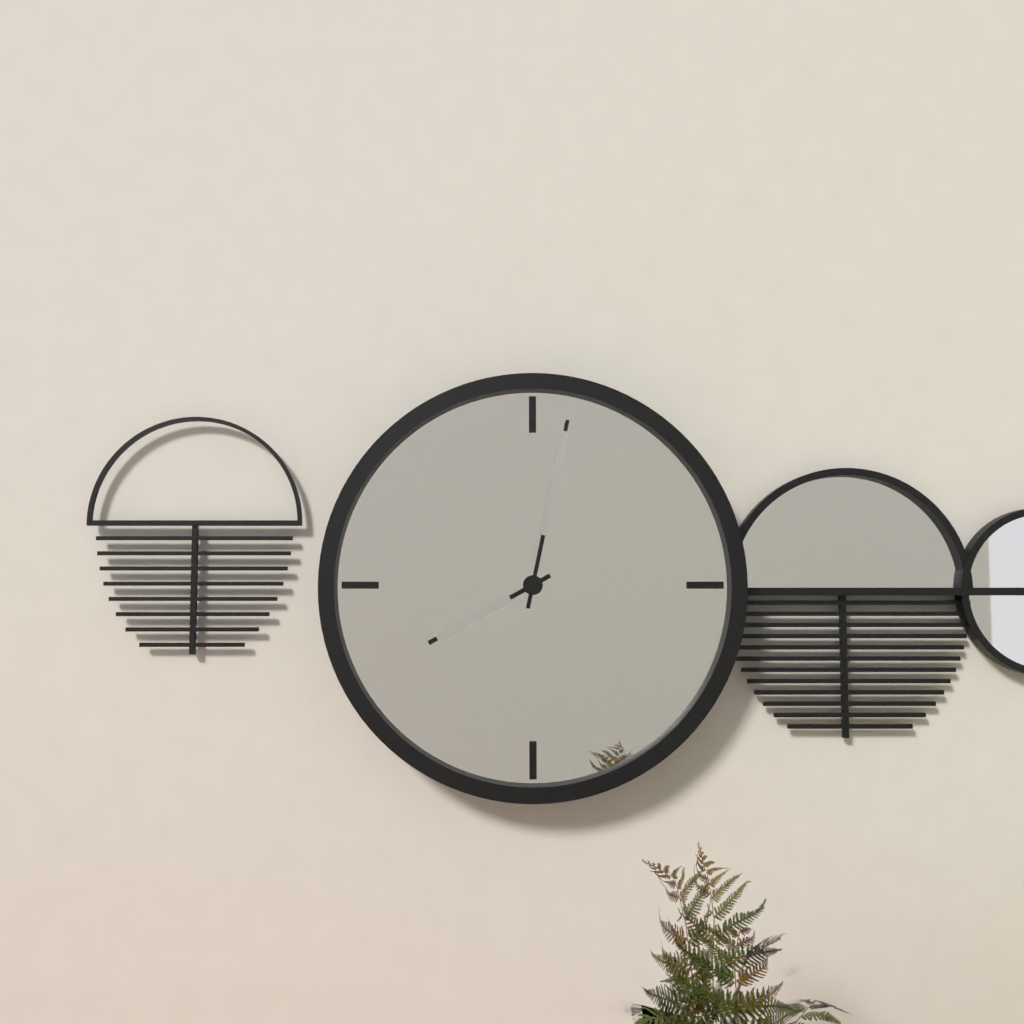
8h02
